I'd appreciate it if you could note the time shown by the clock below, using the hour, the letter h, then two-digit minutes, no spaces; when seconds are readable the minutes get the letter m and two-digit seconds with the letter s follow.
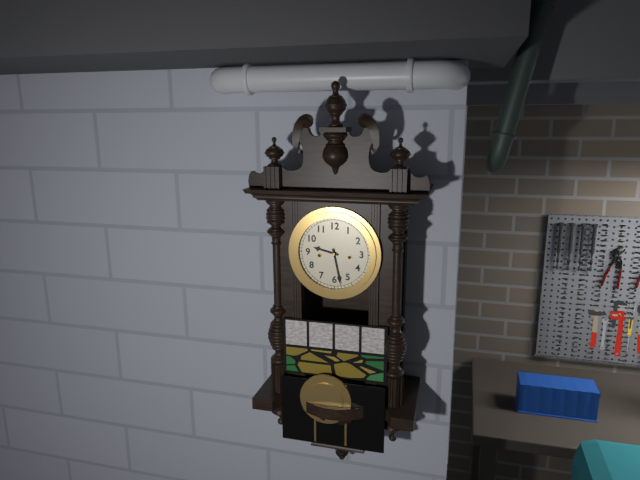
9h28
